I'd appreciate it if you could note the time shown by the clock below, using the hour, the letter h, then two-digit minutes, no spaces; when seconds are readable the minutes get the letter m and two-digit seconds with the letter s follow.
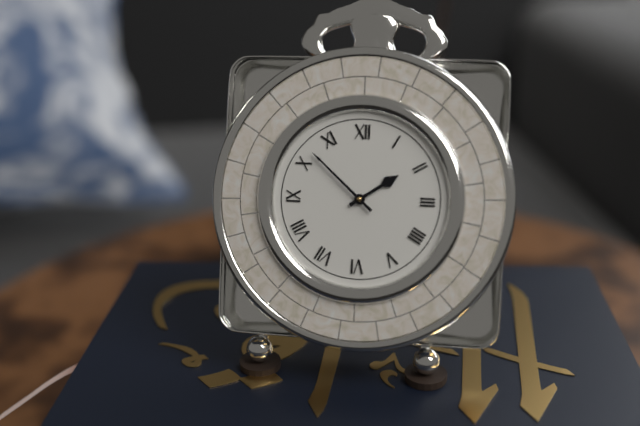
1h52
